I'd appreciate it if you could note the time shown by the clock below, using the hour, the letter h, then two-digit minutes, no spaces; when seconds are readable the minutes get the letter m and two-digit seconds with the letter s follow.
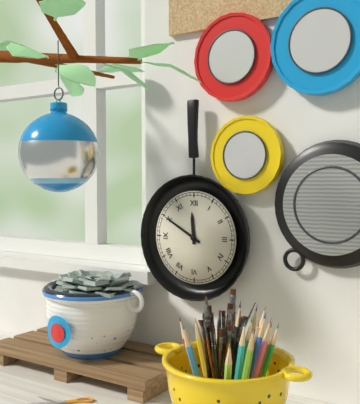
11h50
